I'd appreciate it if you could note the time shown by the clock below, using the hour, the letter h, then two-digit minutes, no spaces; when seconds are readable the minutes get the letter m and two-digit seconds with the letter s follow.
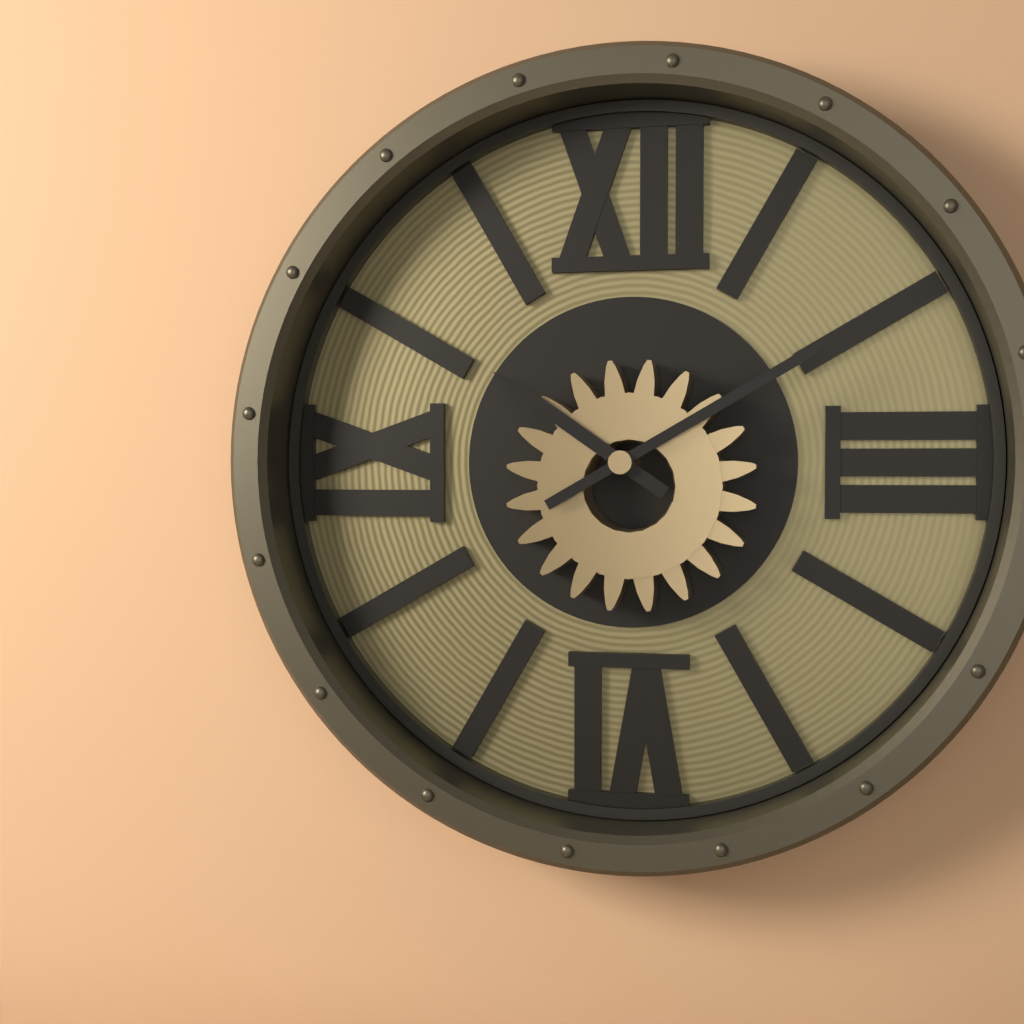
10h10
